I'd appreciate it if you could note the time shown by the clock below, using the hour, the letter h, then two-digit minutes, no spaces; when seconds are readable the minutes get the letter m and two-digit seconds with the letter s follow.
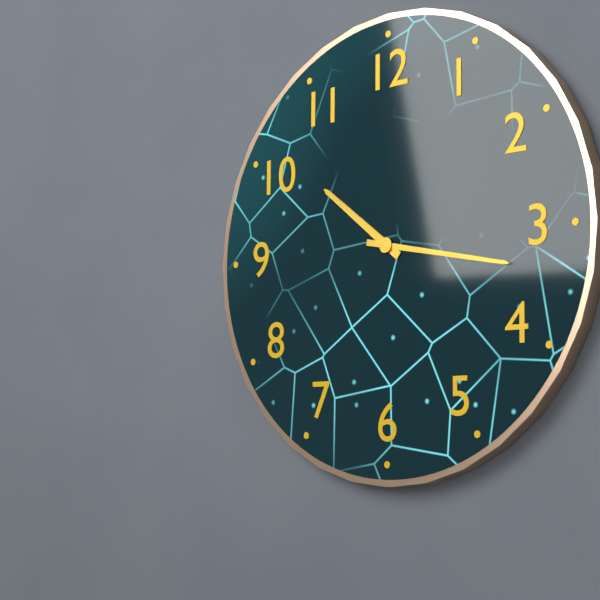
10h17
